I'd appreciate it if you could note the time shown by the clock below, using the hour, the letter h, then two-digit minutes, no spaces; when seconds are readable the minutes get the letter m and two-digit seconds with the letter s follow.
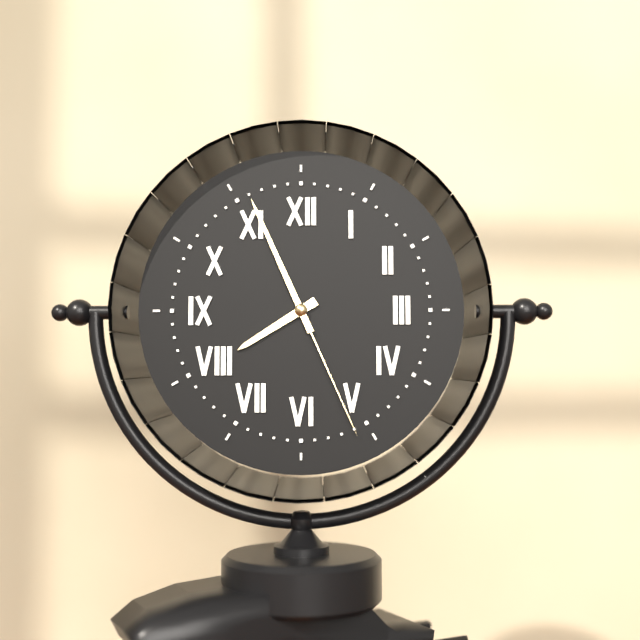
7h56m26s
